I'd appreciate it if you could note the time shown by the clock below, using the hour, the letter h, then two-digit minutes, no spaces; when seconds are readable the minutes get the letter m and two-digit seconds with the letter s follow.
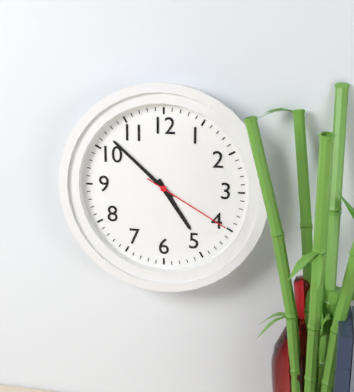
4h52m20s
